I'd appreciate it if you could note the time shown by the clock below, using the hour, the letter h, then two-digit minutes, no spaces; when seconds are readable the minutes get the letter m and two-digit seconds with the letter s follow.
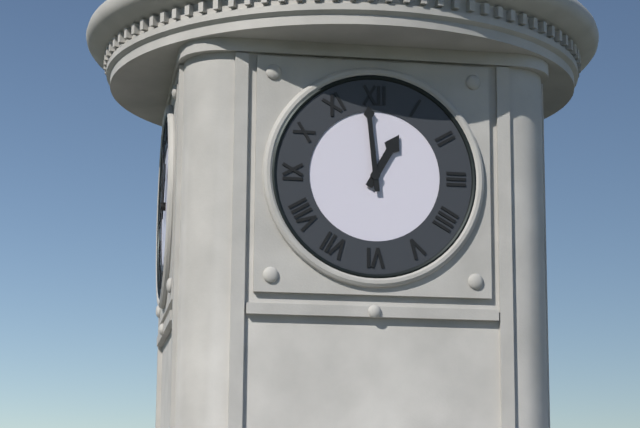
12h59
